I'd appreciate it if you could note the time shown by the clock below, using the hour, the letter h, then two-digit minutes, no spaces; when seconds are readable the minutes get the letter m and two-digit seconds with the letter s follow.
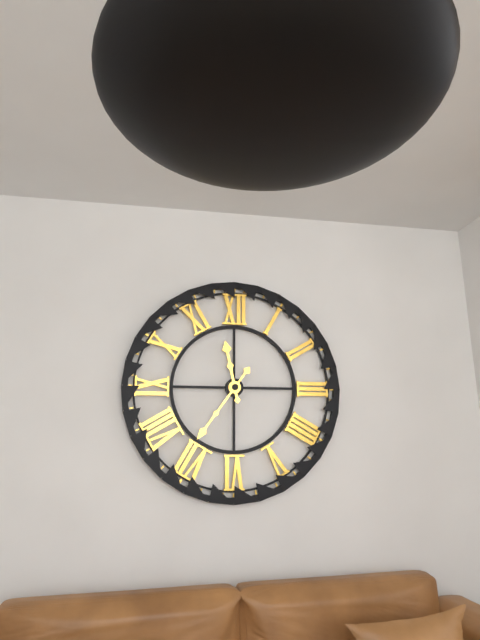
11h36
